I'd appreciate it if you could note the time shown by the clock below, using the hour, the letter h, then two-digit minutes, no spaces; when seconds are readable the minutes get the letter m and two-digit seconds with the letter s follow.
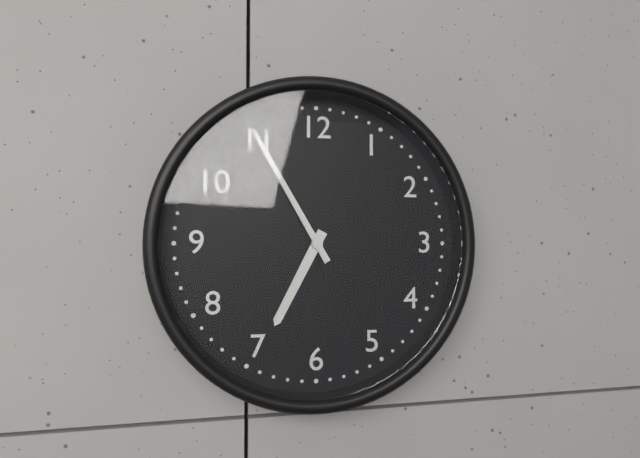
6h55
